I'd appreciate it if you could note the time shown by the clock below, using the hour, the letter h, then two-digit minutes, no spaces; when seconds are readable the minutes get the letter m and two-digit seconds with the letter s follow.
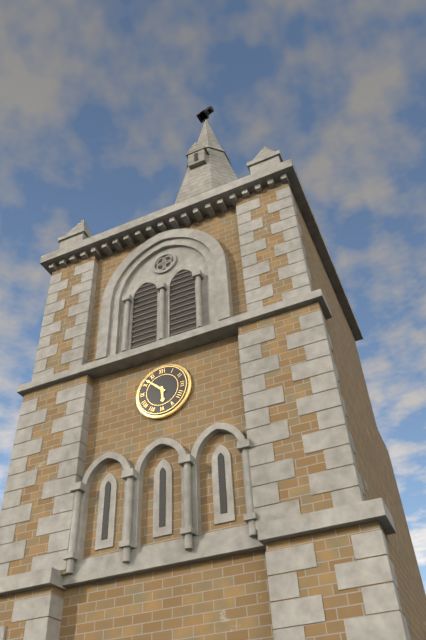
5h52
